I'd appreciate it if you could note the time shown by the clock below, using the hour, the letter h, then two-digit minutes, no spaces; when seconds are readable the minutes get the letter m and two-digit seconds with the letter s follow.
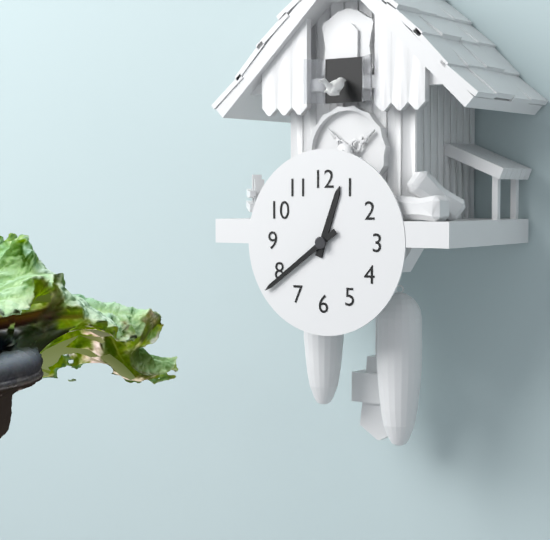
12h39
